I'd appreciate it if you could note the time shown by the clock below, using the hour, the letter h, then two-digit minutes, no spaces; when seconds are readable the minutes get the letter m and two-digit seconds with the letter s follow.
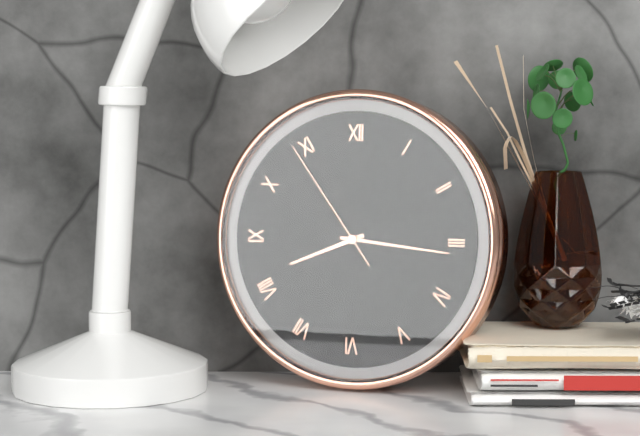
8h16m54s
